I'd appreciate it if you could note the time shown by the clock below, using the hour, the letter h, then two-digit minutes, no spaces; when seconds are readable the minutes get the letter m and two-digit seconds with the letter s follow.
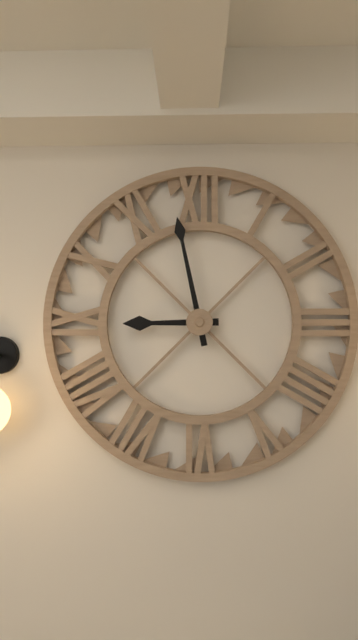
8h58
